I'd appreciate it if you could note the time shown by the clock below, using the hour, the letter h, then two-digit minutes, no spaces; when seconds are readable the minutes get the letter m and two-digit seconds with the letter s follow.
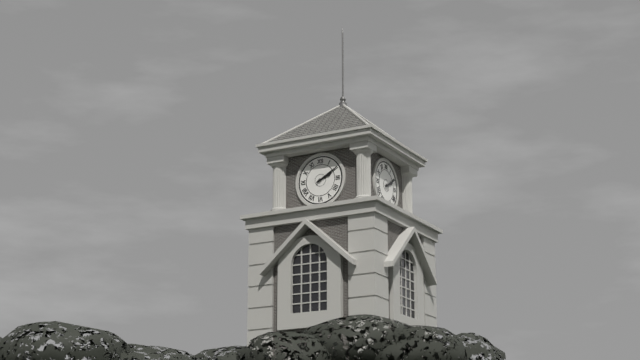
2h10
